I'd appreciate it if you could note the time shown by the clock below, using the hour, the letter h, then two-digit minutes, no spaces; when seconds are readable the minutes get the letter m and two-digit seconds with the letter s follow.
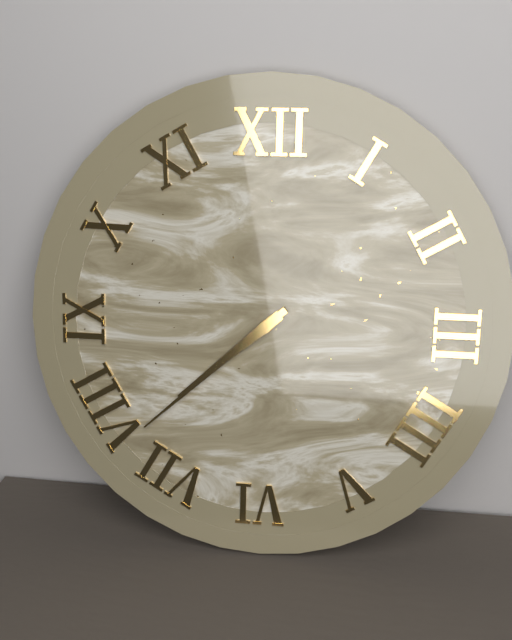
7h38
